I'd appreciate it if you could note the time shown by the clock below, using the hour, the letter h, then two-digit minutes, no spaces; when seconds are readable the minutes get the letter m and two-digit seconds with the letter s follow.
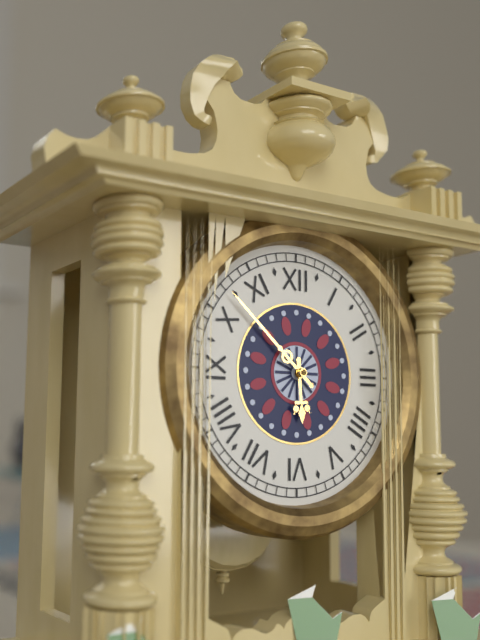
5h52
